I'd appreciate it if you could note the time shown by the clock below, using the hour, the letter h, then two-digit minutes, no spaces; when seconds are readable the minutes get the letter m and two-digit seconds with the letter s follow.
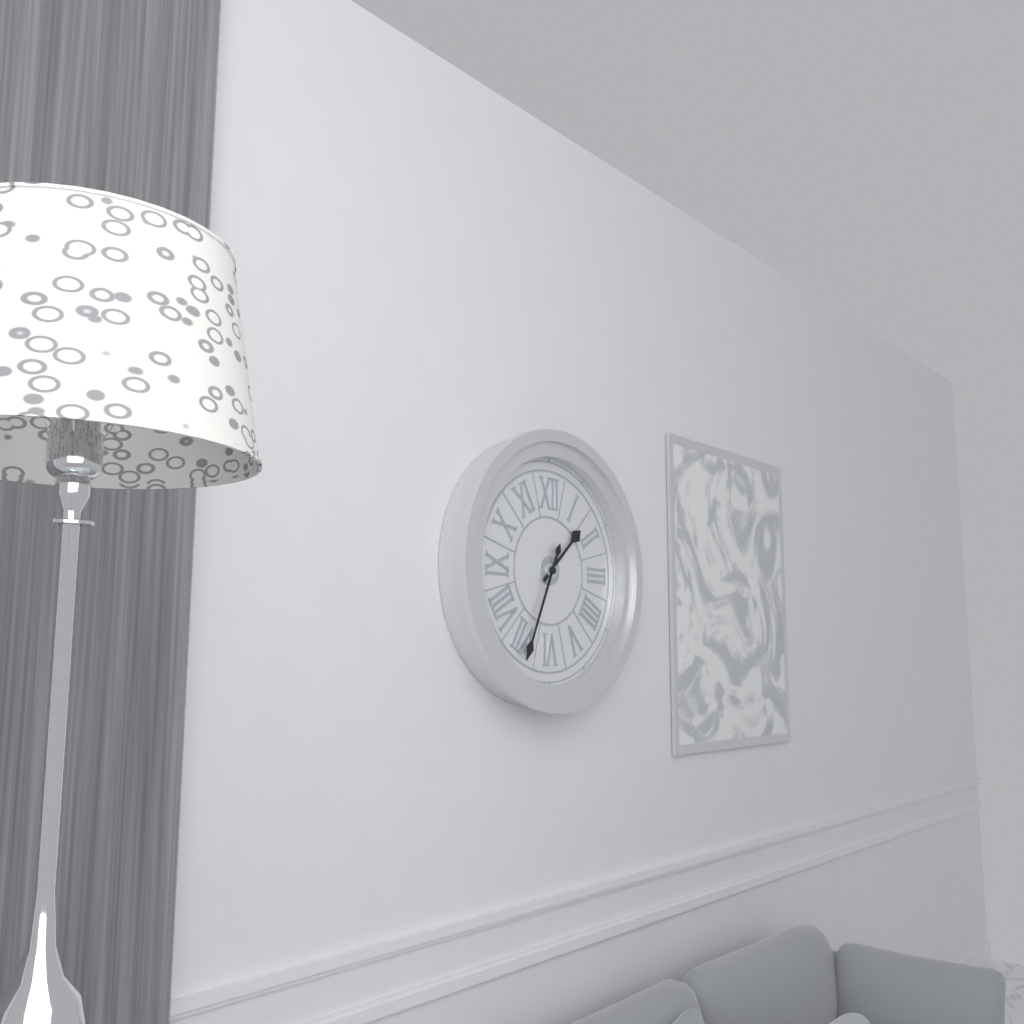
1h34
